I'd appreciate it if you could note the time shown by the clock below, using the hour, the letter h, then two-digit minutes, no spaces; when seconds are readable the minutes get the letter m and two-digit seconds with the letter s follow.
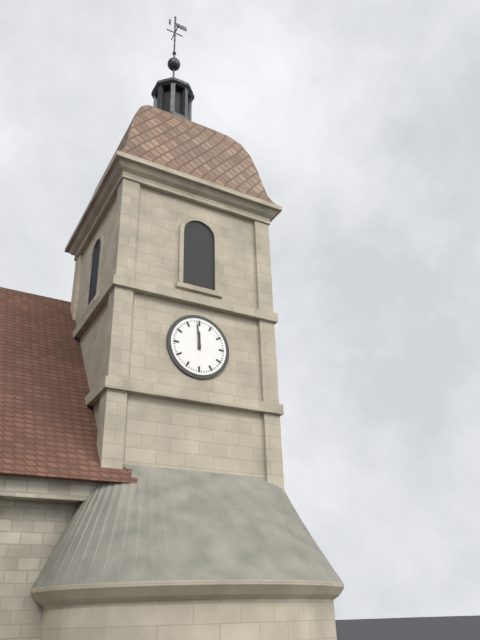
11h59
